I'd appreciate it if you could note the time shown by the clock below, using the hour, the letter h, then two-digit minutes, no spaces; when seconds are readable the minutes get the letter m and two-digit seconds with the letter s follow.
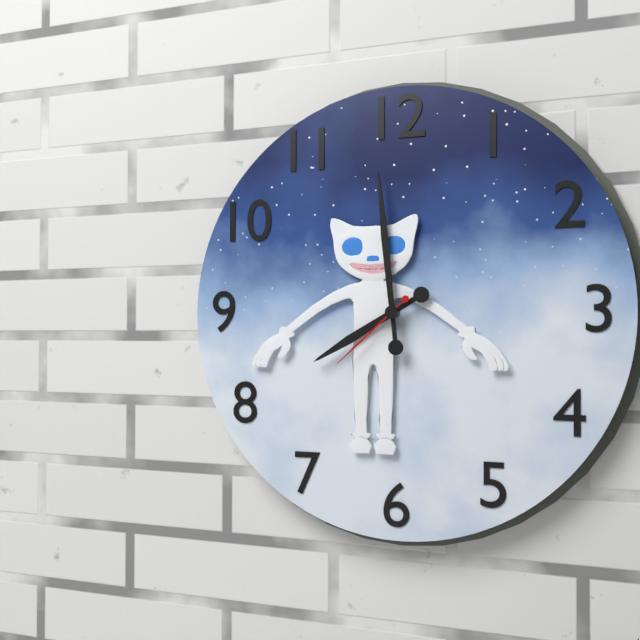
7h59m38s
